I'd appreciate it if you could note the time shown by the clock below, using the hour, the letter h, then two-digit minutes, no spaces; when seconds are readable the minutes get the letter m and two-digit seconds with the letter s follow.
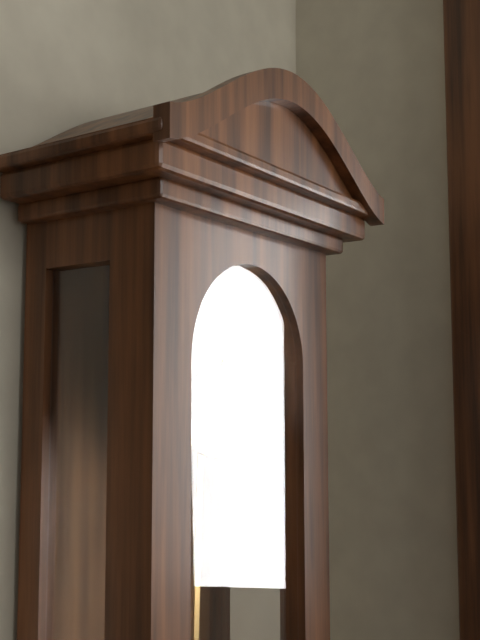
8h19
